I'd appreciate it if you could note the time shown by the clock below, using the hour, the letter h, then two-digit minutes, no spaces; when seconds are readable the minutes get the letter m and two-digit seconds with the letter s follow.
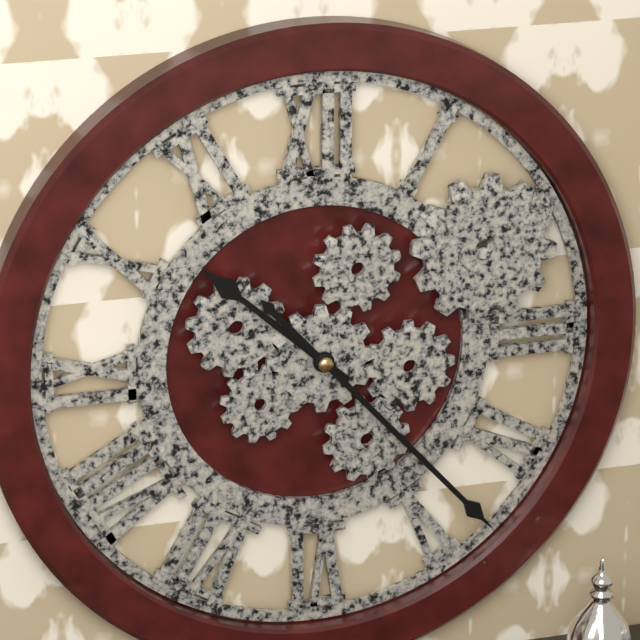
10h23
